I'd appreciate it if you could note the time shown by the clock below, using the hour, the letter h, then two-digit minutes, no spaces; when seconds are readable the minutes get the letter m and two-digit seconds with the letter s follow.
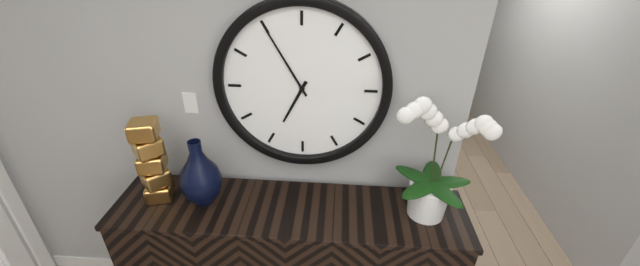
6h55
